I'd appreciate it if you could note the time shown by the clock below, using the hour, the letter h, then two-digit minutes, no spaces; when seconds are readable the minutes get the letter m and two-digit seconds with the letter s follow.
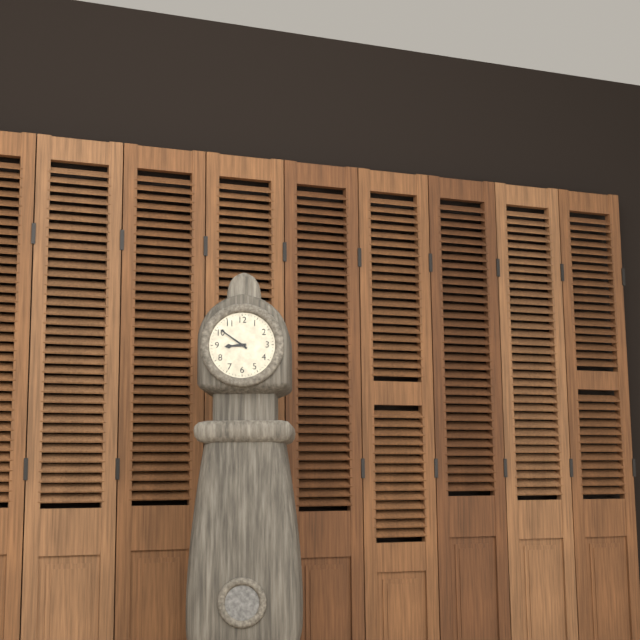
8h51
